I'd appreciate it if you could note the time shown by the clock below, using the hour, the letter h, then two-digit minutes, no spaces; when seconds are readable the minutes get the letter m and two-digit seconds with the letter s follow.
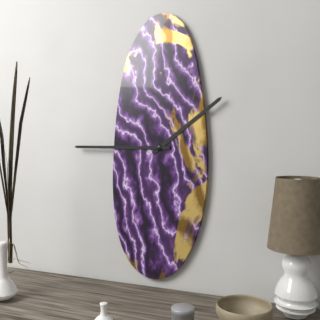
1h45
